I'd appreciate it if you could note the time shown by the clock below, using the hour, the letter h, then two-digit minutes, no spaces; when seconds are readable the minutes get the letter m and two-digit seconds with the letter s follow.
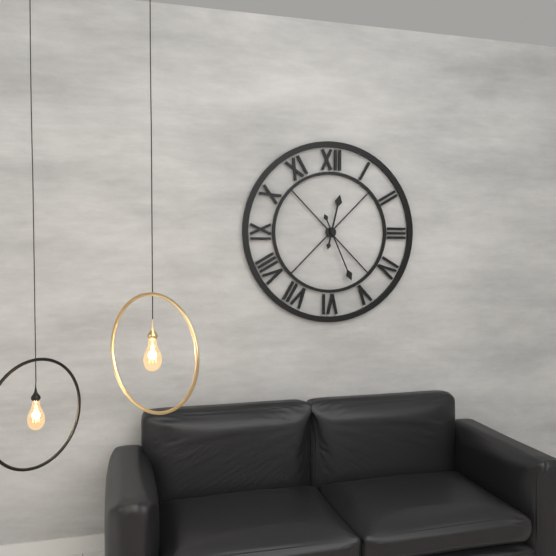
12h26
